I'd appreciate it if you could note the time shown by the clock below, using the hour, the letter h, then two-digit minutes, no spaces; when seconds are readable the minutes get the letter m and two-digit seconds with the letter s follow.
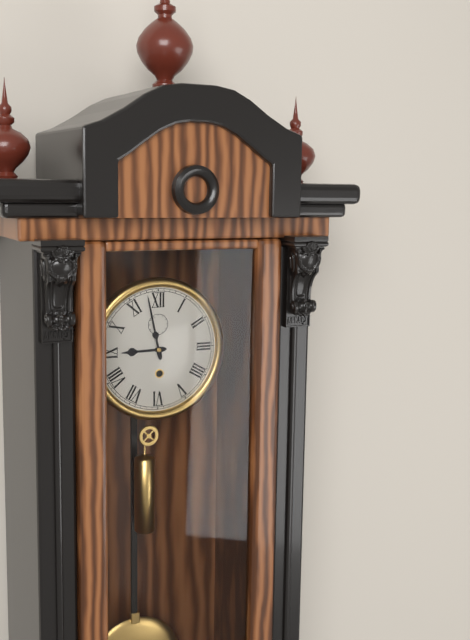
8h58
